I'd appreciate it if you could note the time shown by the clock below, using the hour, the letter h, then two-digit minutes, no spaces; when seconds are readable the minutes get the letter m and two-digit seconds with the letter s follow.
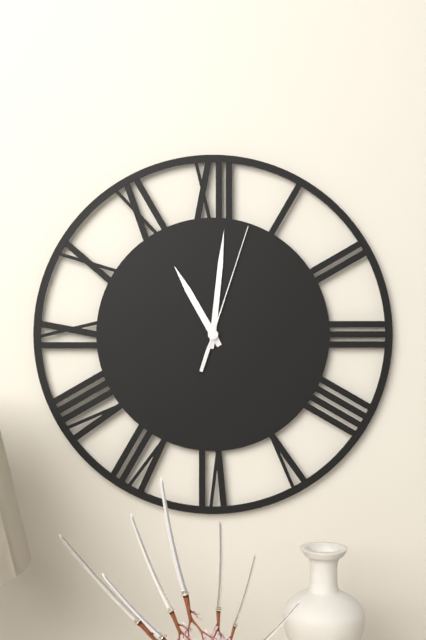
11h01m03s
